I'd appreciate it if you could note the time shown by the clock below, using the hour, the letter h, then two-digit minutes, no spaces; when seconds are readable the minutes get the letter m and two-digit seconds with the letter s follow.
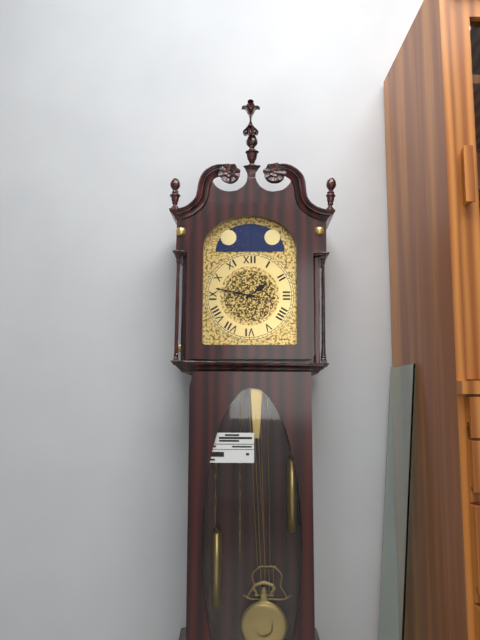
1h47
